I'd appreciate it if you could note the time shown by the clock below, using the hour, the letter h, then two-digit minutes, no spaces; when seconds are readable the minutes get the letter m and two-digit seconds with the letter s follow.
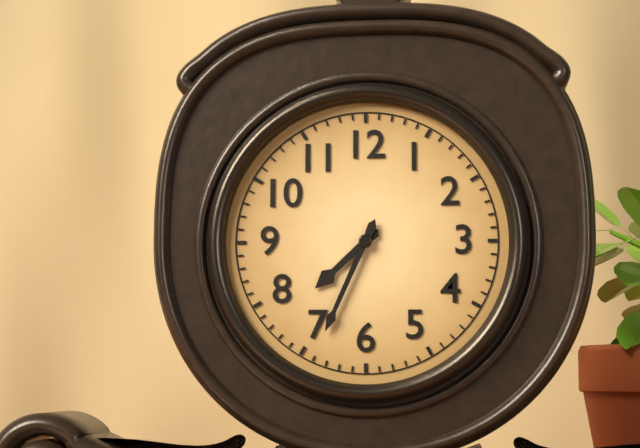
7h34
